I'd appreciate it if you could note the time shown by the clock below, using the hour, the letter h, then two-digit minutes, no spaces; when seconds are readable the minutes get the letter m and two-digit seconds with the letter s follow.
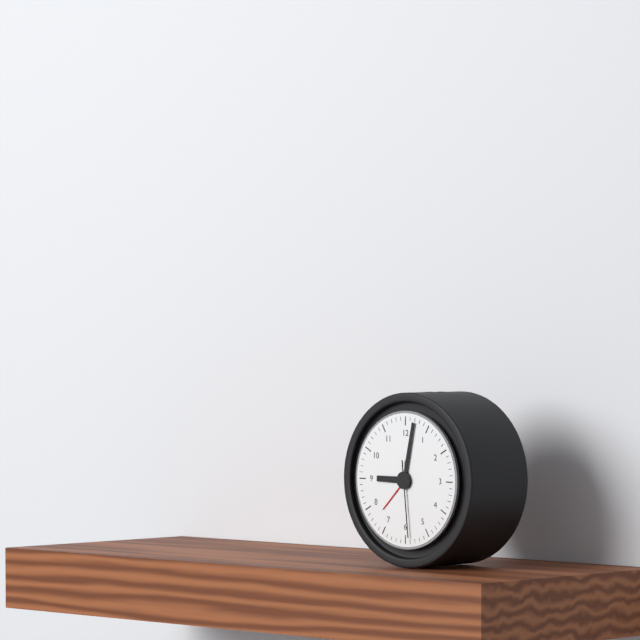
9h02m29s
